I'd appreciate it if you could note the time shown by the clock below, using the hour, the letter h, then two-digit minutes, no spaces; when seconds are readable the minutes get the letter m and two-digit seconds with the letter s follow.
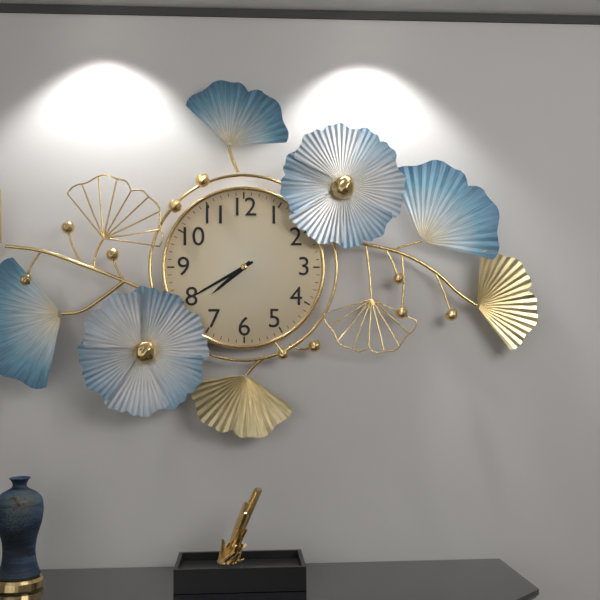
7h40
